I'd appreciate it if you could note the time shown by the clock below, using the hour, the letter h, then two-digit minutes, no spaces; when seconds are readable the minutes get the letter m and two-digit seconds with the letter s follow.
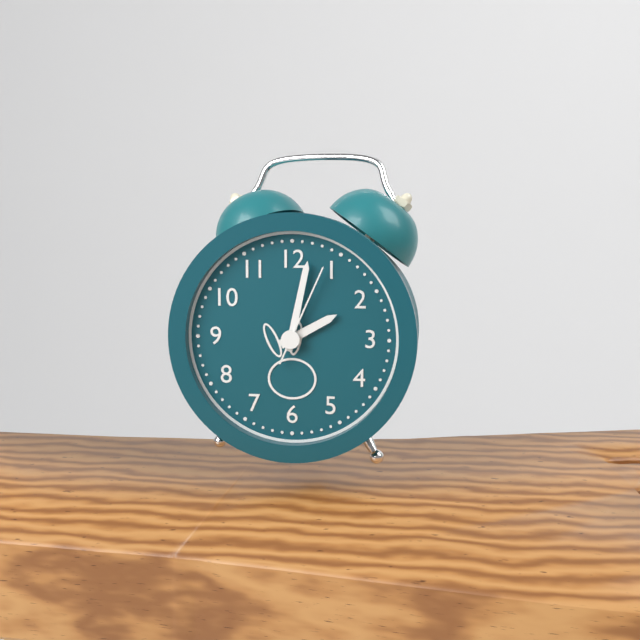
2h02m04s
